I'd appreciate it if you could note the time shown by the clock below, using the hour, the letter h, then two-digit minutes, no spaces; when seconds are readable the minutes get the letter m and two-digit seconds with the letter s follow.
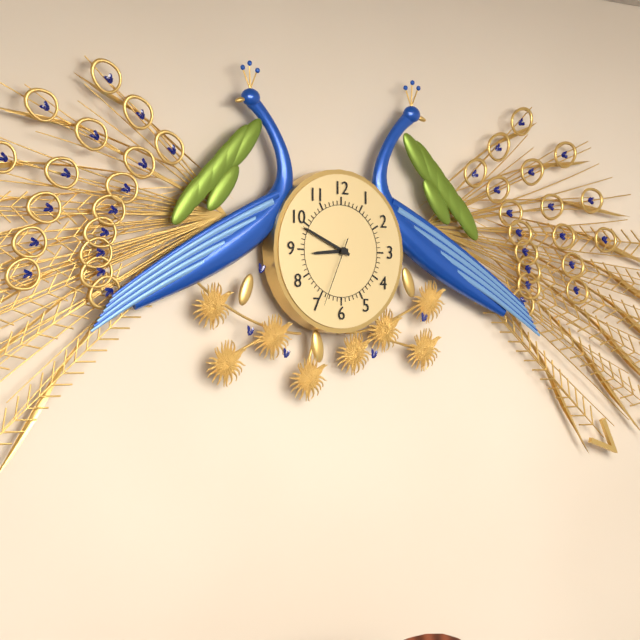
8h49m34s
